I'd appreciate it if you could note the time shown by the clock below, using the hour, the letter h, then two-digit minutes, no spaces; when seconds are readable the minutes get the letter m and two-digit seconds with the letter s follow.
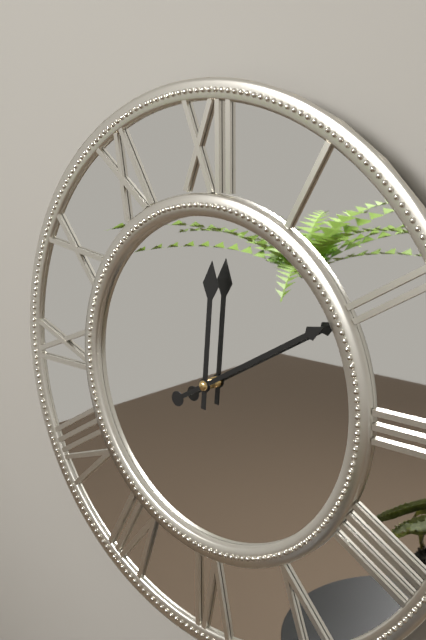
12h10
